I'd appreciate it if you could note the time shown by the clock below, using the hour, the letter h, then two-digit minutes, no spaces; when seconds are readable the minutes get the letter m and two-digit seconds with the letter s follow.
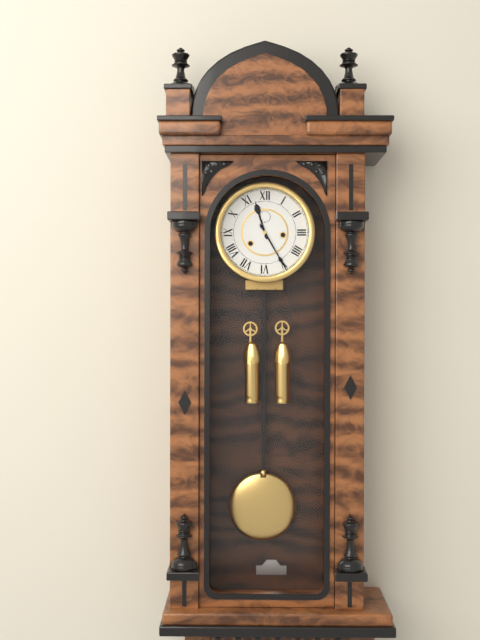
11h25
